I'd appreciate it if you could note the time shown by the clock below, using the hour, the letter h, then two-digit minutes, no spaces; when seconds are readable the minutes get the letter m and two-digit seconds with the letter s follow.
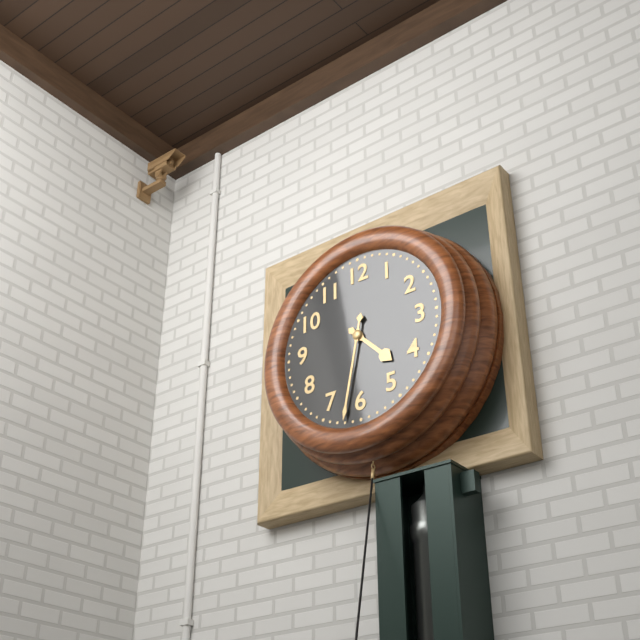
4h32
